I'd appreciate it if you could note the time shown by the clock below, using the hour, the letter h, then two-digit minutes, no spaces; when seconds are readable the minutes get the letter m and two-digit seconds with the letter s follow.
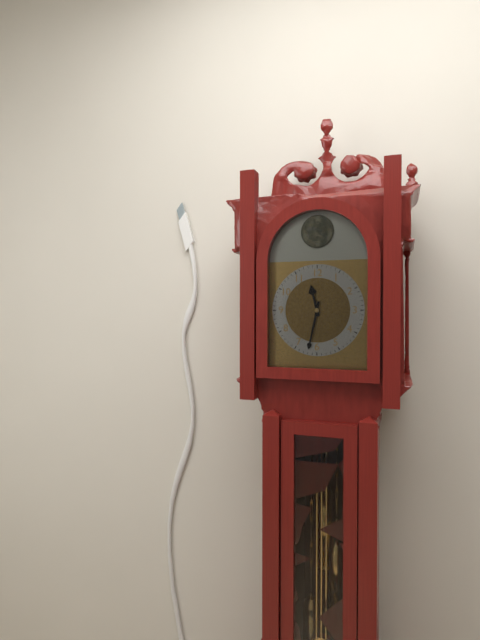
11h32
